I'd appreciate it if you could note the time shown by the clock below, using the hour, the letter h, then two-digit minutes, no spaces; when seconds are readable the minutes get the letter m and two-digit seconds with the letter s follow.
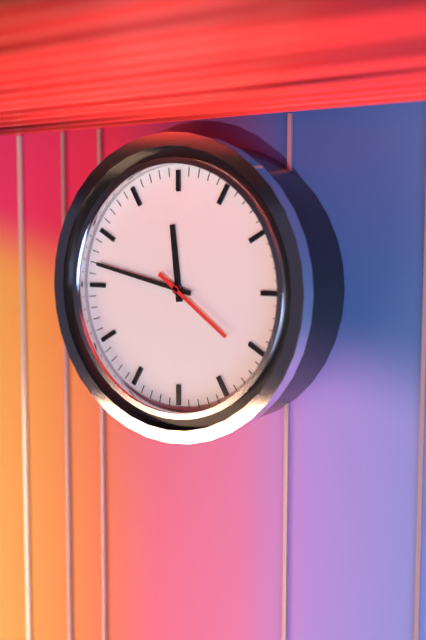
11h47m21s
